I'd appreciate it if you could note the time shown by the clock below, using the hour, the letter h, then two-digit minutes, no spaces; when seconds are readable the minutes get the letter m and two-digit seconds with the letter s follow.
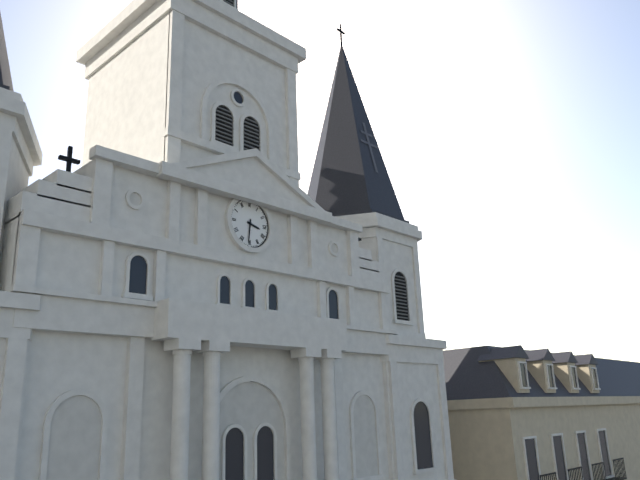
3h31
